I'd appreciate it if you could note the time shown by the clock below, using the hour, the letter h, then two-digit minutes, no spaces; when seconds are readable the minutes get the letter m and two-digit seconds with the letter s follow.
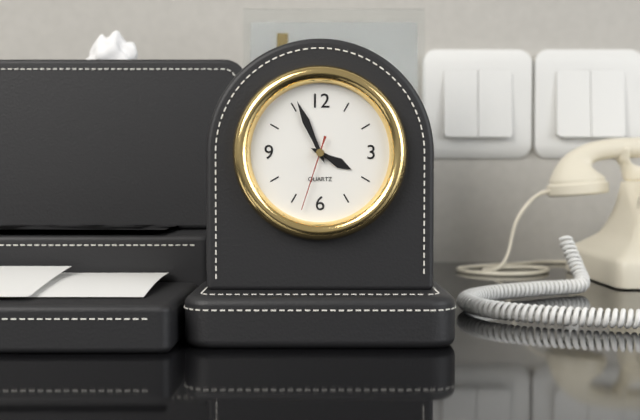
3h56m33s
